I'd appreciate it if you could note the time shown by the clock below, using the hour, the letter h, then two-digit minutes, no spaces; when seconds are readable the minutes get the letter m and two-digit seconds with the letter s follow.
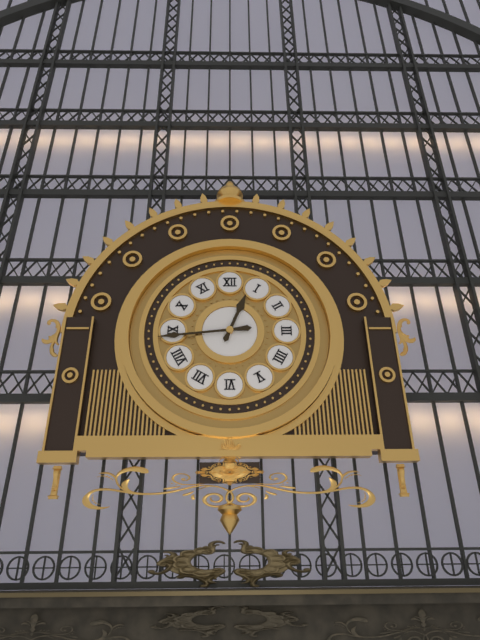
12h44
